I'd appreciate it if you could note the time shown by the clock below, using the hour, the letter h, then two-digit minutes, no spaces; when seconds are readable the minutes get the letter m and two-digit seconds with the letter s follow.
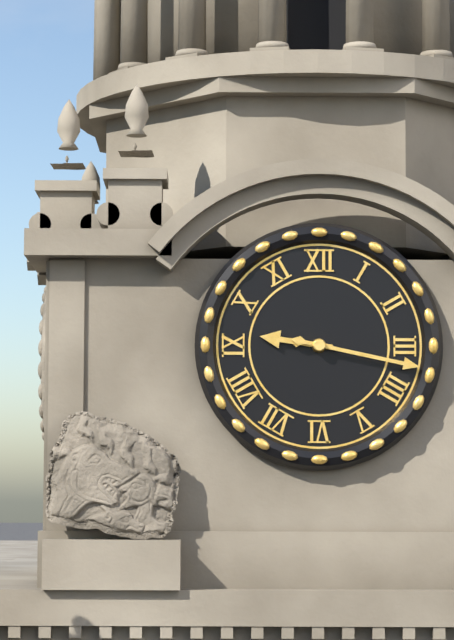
9h17
